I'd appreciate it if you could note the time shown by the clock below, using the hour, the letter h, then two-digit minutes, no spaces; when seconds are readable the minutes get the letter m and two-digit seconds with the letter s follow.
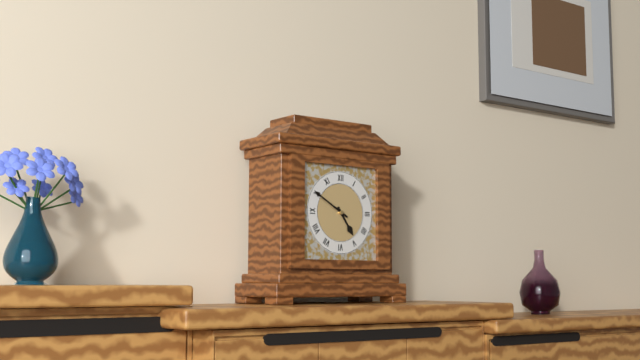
4h50
